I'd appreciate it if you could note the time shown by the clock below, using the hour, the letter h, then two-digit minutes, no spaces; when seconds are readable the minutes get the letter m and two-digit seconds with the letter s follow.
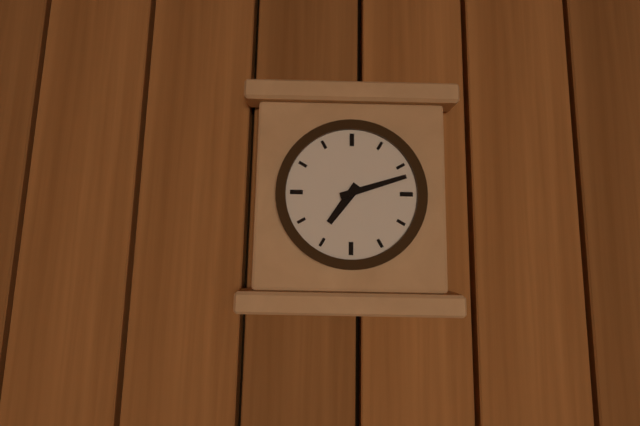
7h12
